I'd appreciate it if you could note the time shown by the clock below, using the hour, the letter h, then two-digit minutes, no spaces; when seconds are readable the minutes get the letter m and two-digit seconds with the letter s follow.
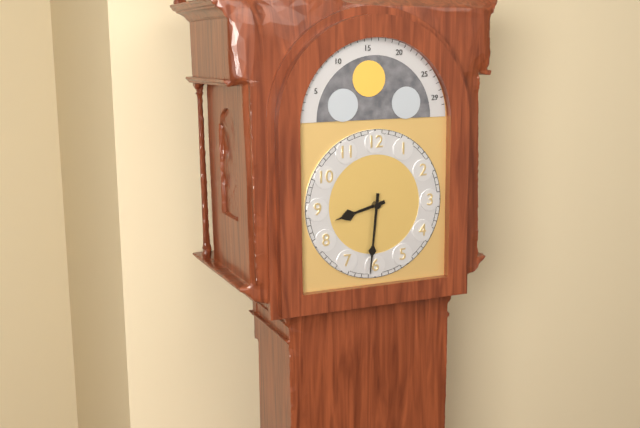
8h31
